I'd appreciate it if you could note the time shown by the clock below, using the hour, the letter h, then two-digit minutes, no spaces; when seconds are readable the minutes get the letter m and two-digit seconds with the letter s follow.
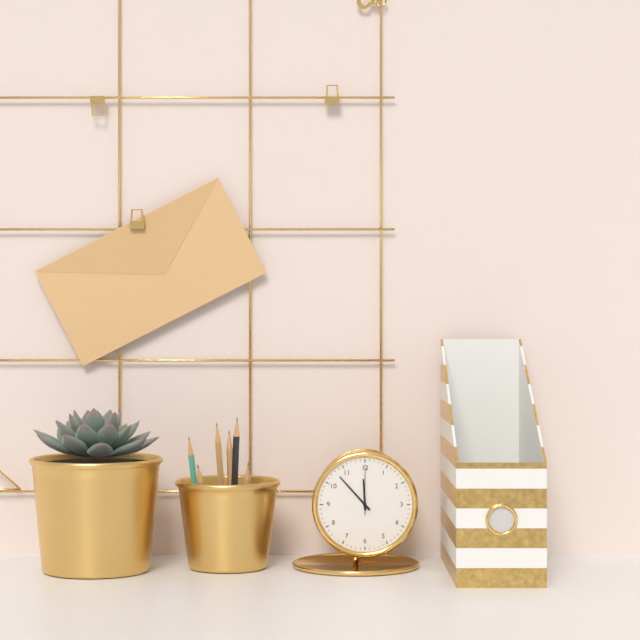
11h53m00s
